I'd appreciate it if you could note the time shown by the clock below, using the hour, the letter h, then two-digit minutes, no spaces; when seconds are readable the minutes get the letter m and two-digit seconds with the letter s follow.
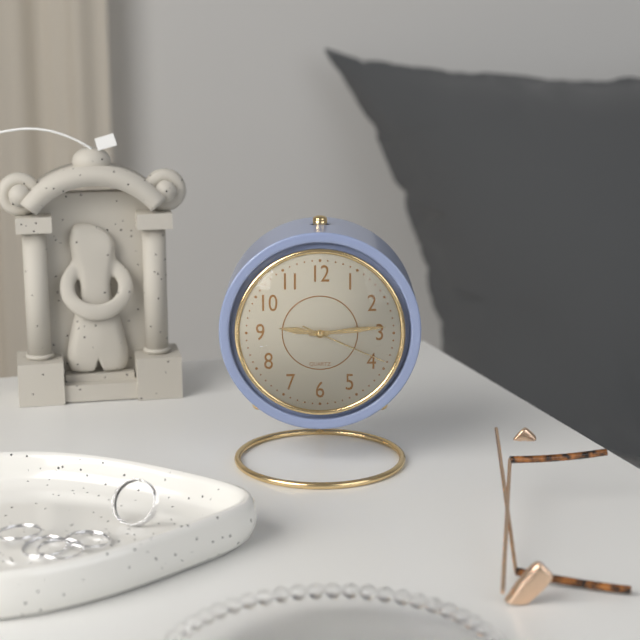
9h14m19s
